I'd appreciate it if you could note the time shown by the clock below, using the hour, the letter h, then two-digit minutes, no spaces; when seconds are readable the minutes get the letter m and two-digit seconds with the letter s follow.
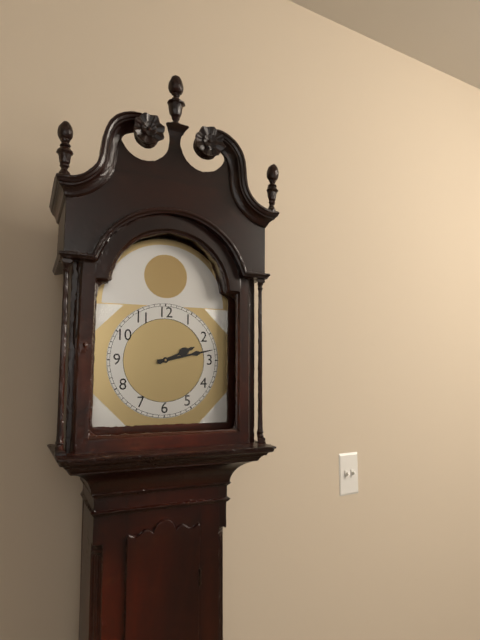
2h13
